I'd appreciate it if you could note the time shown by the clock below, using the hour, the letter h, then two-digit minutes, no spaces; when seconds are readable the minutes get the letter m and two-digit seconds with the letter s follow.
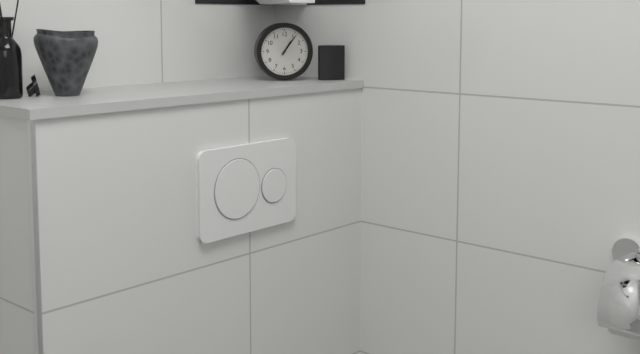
1h06
